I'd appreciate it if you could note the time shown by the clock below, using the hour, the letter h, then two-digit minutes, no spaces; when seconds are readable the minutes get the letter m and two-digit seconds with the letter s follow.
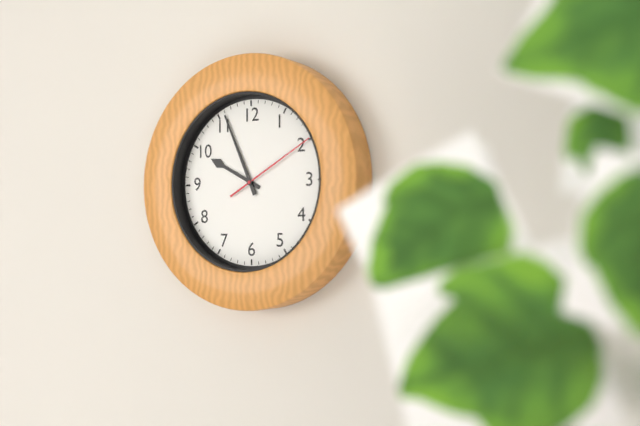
9h56m10s
